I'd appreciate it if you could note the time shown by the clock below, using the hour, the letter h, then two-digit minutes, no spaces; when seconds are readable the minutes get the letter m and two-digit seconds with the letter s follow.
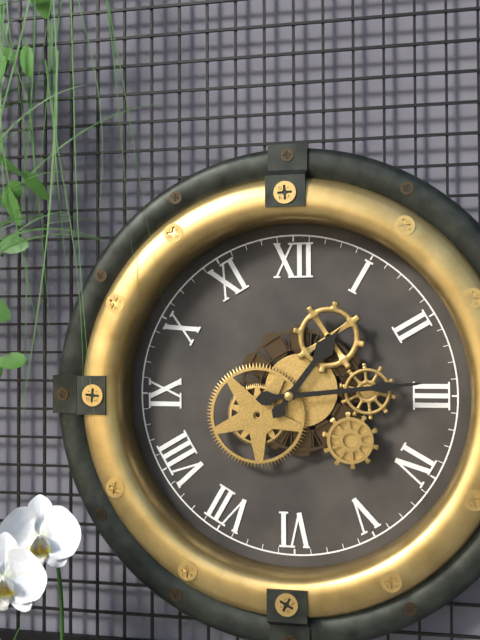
1h14
